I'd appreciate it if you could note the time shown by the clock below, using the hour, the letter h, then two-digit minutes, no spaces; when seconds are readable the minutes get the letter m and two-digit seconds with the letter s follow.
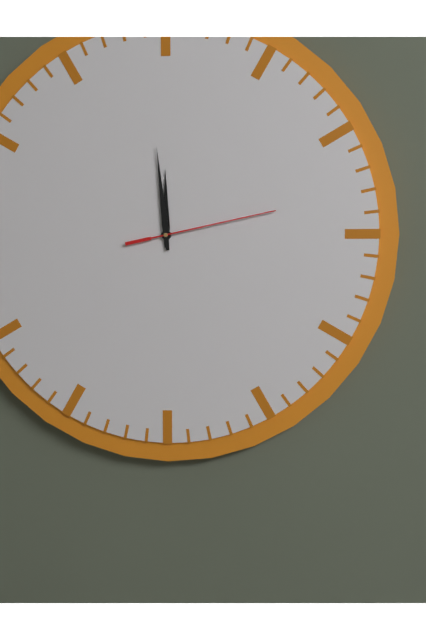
11h59m13s
